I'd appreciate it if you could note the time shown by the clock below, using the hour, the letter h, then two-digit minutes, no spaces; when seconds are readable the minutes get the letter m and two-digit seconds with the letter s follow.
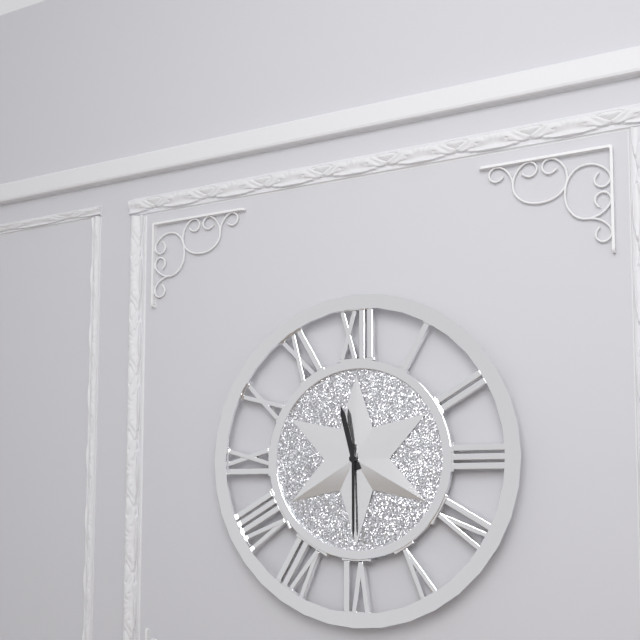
11h30
